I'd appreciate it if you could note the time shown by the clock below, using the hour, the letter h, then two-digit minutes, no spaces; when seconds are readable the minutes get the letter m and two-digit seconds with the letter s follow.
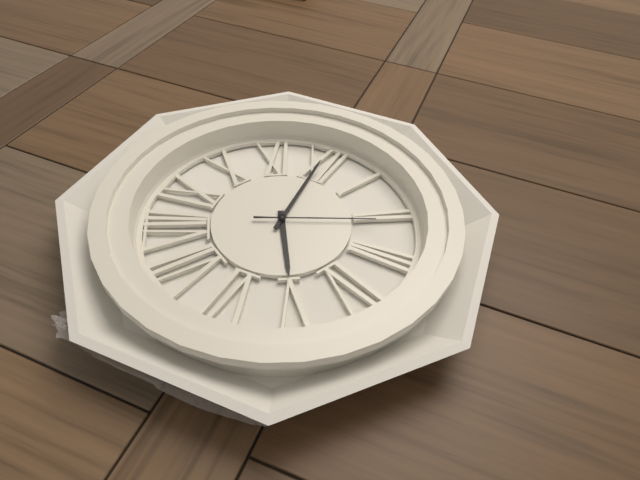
5h00m11s
